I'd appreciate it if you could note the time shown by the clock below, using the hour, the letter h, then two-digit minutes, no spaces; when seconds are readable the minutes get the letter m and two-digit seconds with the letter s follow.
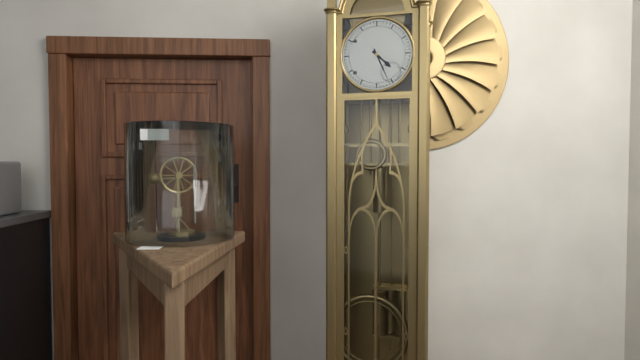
4h26
